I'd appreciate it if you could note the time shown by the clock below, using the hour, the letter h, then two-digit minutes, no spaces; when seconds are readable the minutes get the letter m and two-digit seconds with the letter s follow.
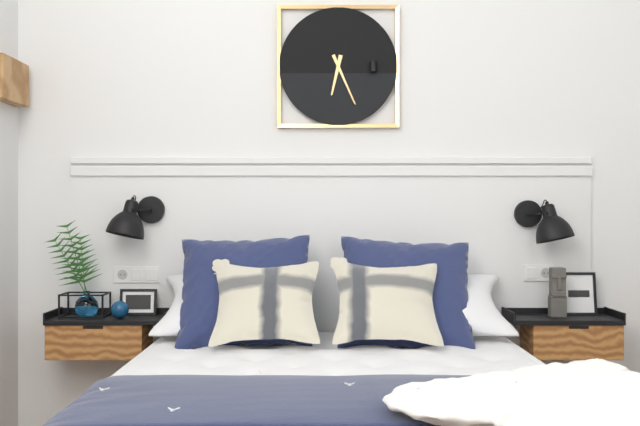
6h26
